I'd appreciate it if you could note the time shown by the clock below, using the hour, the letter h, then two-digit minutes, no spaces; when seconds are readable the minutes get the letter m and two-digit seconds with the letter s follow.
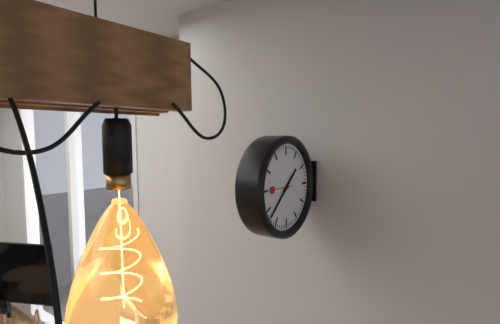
1h38
